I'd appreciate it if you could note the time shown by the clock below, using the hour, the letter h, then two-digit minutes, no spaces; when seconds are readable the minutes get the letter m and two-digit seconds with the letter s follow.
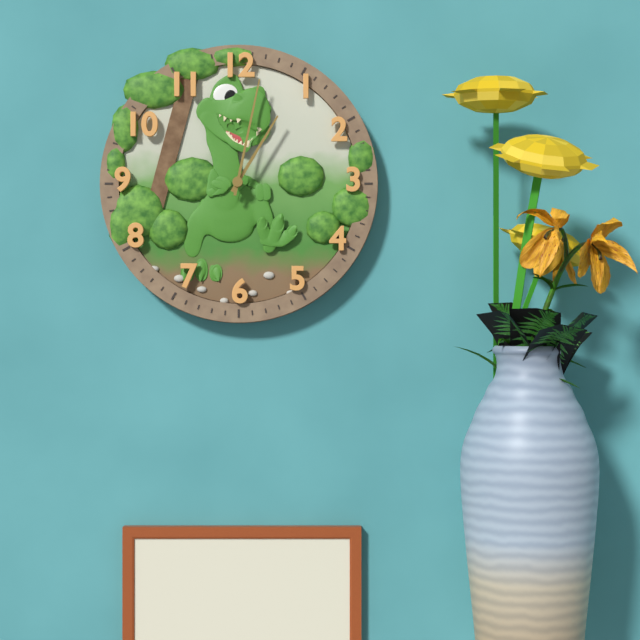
1h02
